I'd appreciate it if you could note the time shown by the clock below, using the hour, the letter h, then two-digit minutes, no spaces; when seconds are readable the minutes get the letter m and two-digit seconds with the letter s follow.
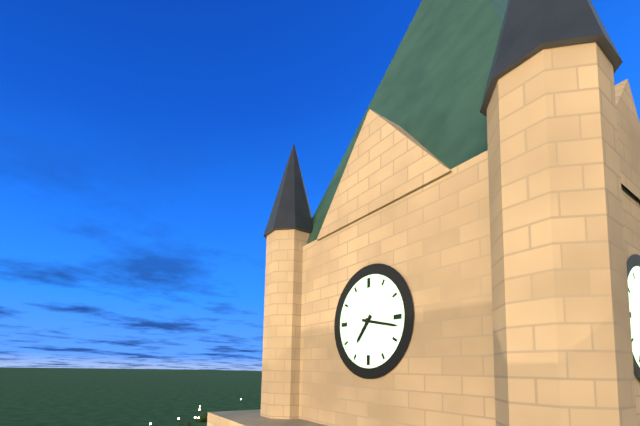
7h17
